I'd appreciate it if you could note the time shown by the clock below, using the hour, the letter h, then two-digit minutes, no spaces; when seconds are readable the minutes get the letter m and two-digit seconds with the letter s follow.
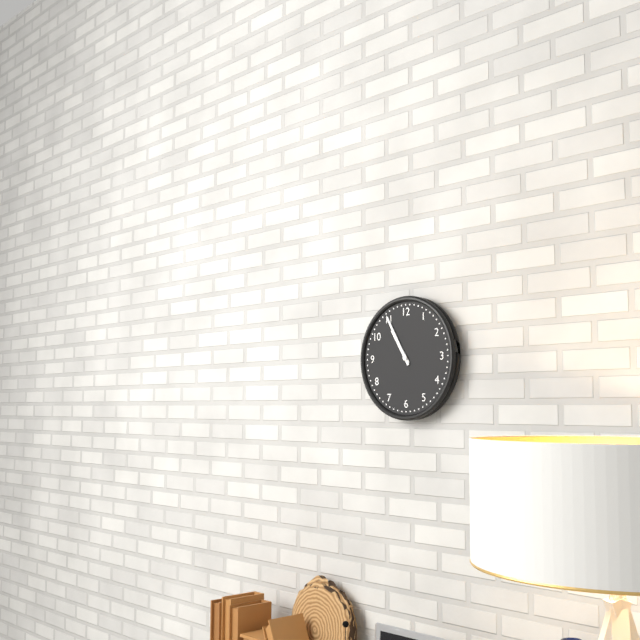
10h55
